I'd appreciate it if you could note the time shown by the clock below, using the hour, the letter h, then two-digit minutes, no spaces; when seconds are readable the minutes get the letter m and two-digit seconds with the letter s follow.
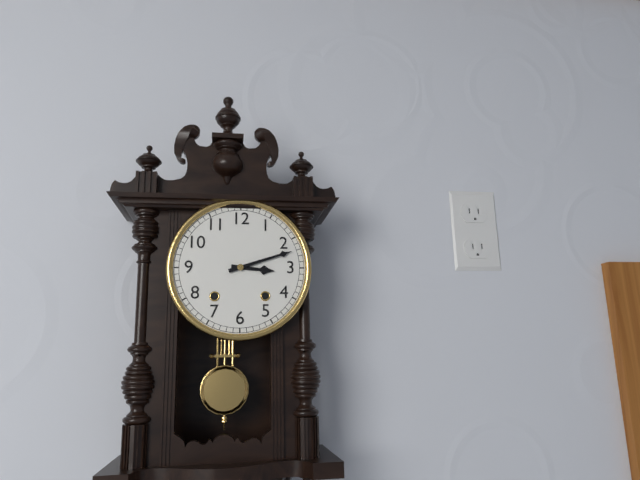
3h12
